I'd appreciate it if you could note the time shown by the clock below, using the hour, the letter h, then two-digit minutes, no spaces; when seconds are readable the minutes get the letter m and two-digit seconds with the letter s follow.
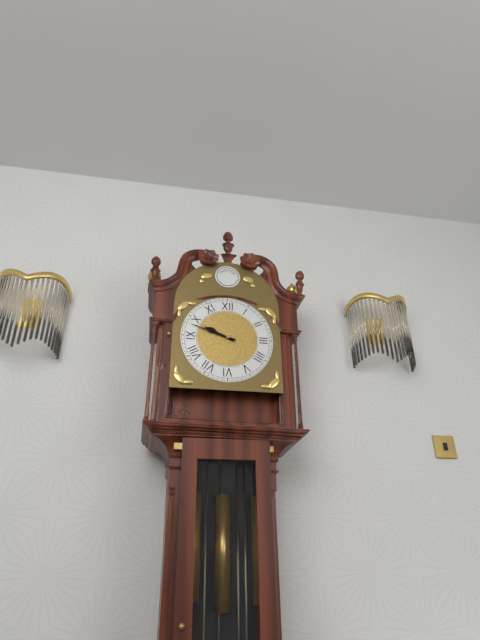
9h48
